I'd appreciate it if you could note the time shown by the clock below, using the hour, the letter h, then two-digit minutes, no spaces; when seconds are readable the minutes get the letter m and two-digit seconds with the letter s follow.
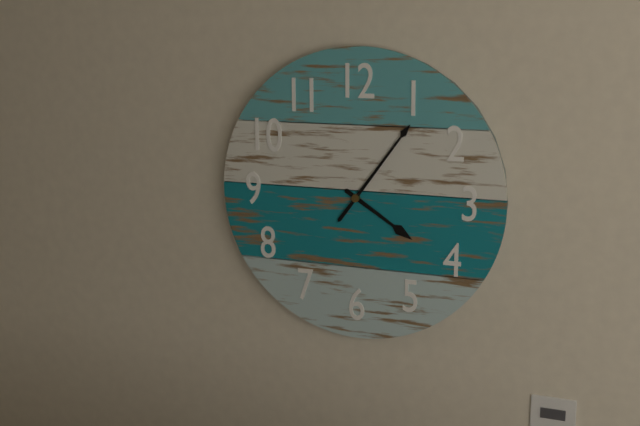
4h06
